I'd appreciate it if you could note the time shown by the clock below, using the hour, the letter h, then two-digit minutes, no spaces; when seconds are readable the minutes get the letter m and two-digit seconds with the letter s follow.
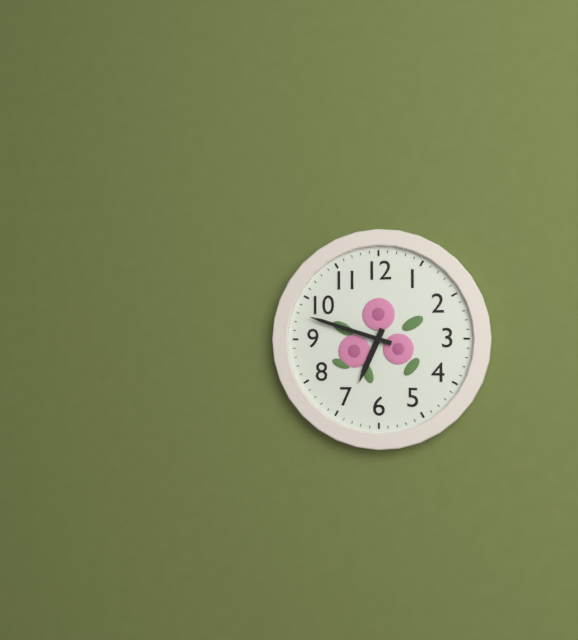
6h48
